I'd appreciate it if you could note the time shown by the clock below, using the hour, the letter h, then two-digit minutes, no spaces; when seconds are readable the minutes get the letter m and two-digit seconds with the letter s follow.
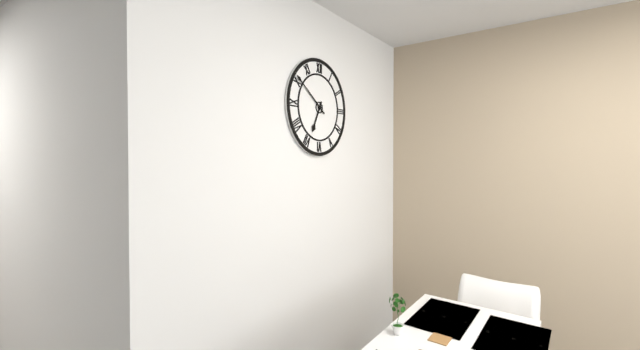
6h51
